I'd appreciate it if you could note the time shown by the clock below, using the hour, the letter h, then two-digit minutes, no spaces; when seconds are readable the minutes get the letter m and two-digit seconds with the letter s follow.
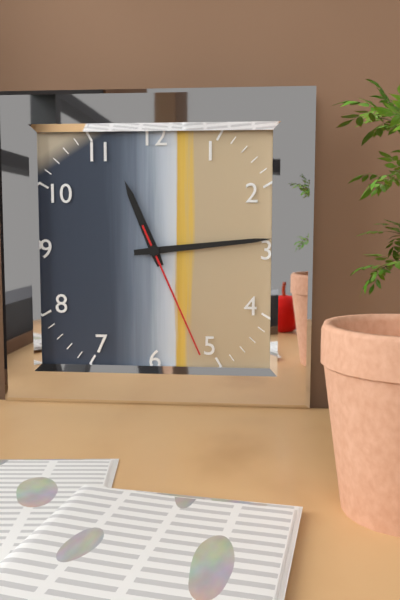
11h14m26s
